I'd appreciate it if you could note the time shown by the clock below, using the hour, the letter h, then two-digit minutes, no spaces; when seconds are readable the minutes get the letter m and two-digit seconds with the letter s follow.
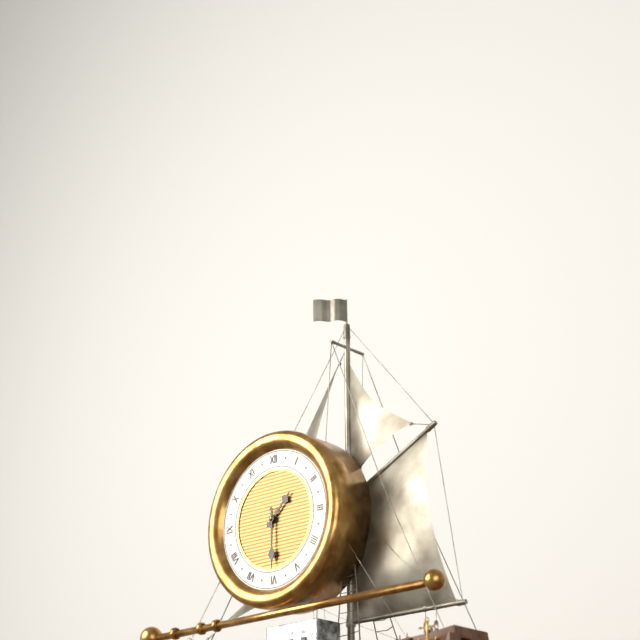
1h30
